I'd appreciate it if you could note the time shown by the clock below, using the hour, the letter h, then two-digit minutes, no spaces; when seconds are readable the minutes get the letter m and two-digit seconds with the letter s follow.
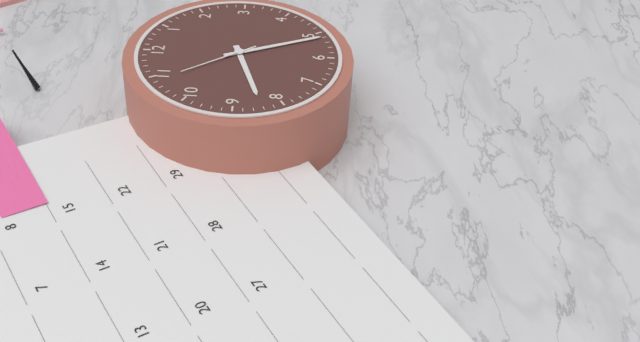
8h26m54s
